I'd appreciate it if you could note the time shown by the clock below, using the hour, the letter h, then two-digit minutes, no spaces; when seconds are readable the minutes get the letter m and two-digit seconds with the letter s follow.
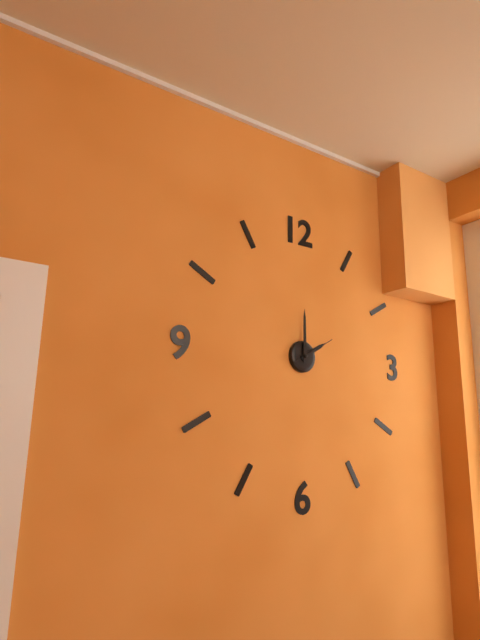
2h00
